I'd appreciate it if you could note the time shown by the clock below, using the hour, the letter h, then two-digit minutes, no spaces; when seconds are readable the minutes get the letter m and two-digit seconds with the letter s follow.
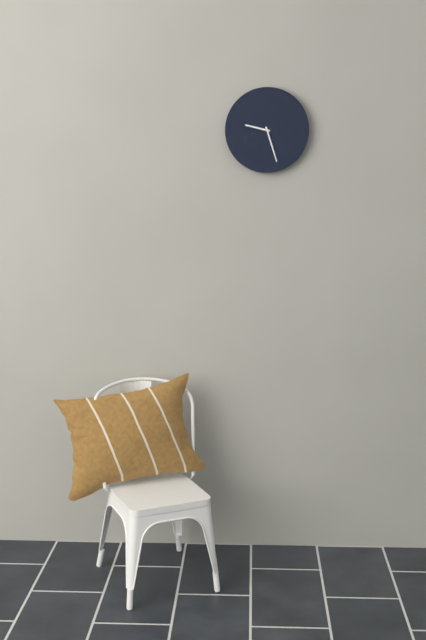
9h27
